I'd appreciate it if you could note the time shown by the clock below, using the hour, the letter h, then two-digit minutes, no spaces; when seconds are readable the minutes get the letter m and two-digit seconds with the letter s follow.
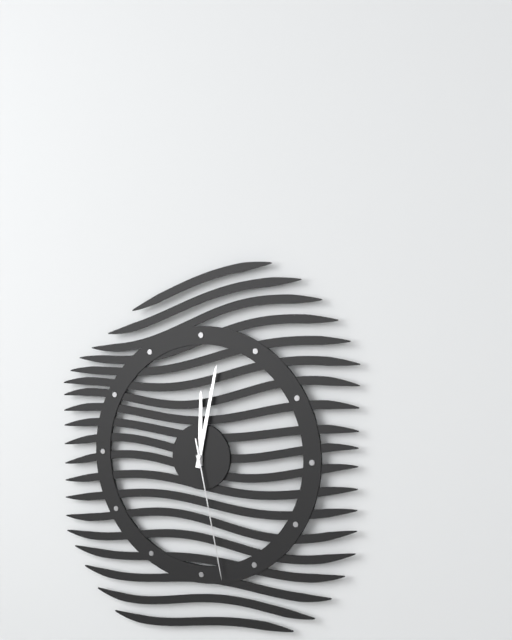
12h02m28s
